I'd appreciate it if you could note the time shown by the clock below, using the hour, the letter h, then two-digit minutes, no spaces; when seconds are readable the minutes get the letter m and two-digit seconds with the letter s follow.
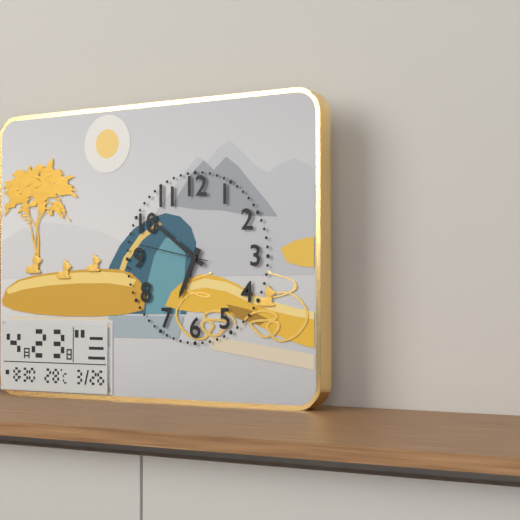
6h51m47s
